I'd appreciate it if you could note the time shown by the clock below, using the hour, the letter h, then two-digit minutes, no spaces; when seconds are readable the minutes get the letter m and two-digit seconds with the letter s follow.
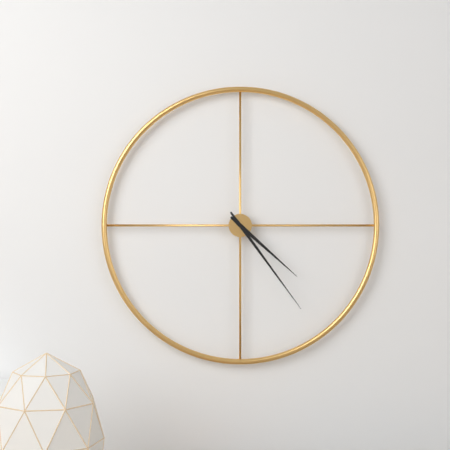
4h24
